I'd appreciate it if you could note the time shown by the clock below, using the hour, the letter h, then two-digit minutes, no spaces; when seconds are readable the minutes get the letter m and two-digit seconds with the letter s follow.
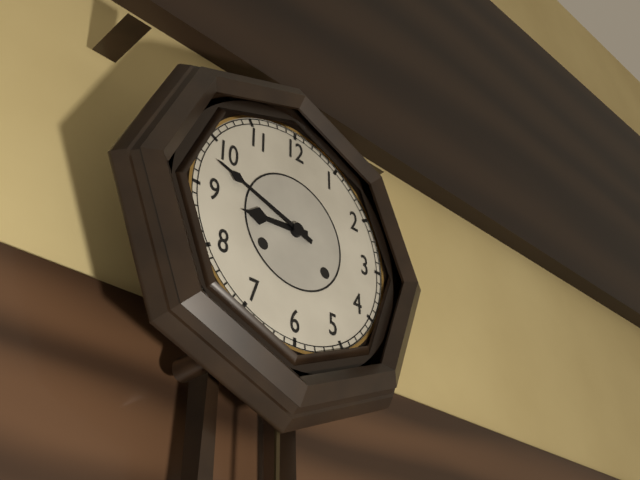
8h48
